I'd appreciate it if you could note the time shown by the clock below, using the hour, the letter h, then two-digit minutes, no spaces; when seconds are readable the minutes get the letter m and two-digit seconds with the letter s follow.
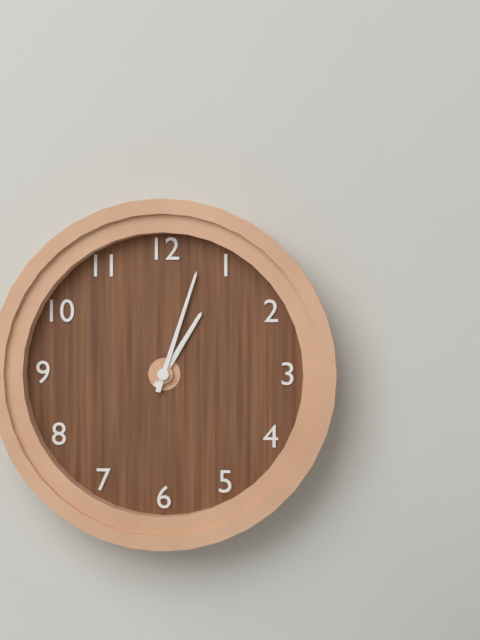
1h03
